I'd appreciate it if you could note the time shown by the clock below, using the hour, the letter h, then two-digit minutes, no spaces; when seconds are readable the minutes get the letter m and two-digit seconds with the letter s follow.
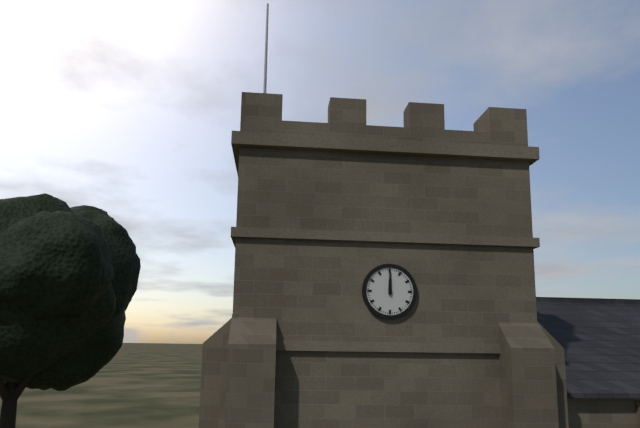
12h00
